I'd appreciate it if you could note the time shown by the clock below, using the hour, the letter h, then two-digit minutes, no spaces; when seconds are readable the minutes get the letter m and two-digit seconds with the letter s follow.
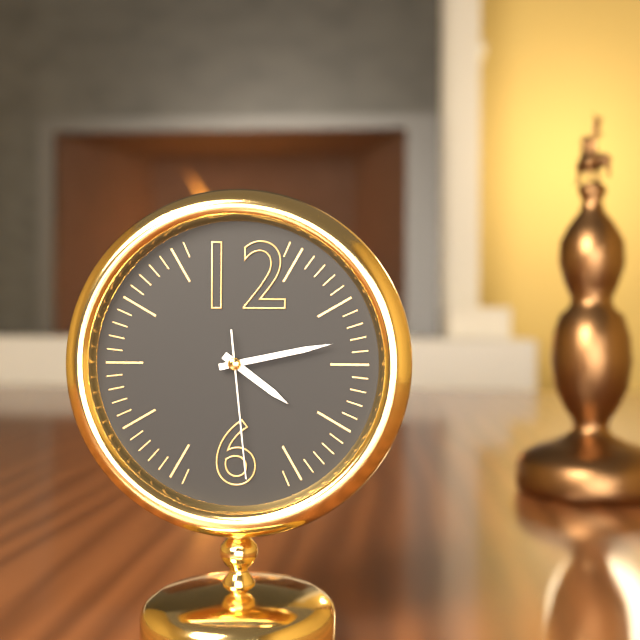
4h13m29s
